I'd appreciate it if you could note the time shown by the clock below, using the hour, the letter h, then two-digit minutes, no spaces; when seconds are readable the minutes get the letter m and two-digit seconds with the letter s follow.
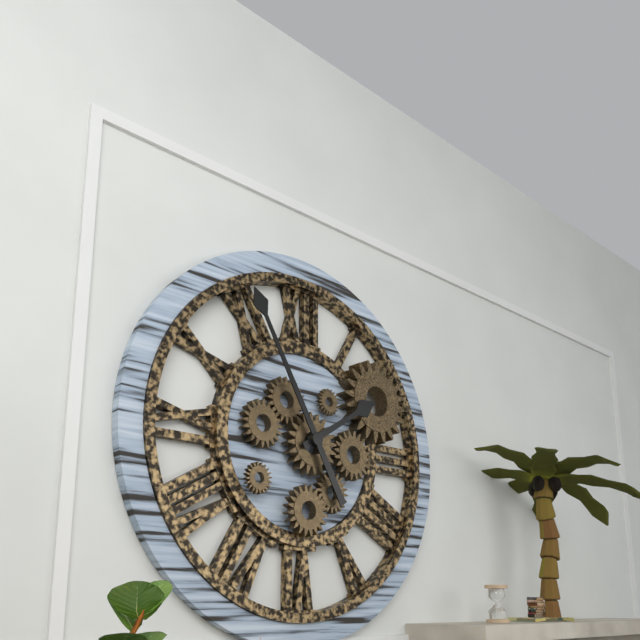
1h55
